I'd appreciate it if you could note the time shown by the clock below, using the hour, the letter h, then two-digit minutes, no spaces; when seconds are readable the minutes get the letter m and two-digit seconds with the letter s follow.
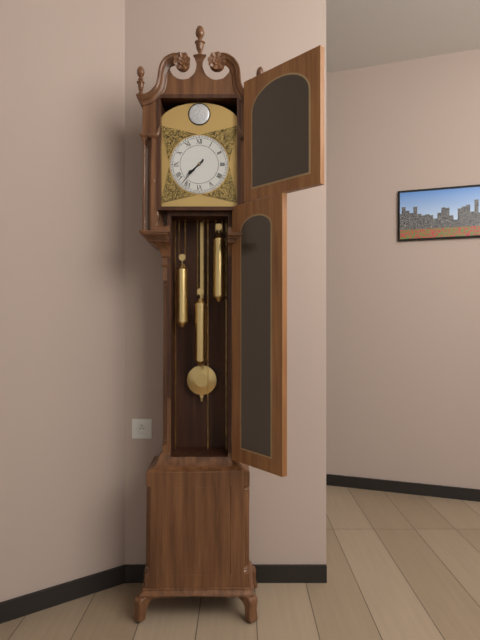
7h37
